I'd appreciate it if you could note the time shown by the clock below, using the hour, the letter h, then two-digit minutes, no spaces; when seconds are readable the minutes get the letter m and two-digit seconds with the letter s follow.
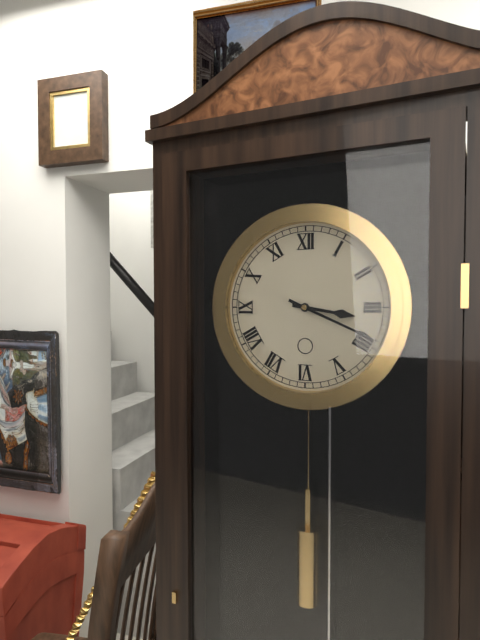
3h19
